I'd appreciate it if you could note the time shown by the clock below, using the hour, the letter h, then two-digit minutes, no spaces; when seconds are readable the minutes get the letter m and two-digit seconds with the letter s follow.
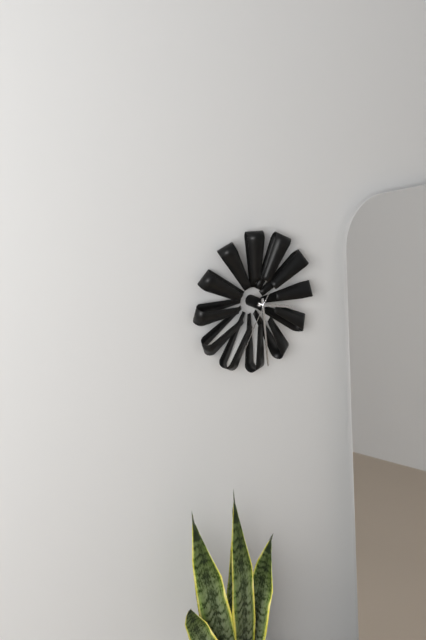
3h29m35s
